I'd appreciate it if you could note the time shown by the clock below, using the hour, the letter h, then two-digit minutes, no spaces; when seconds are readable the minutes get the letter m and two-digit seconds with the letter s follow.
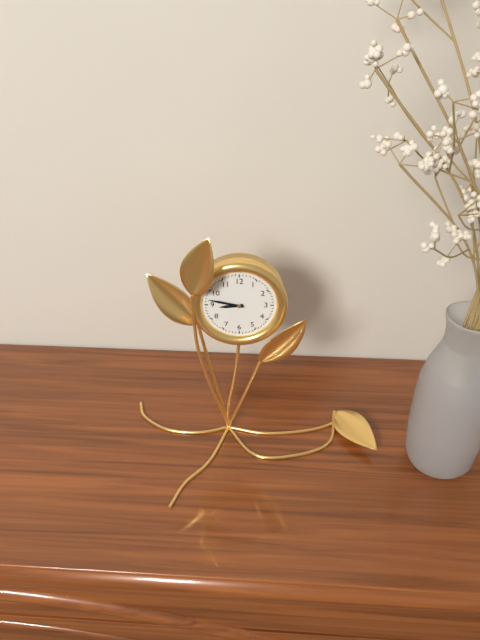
8h47
